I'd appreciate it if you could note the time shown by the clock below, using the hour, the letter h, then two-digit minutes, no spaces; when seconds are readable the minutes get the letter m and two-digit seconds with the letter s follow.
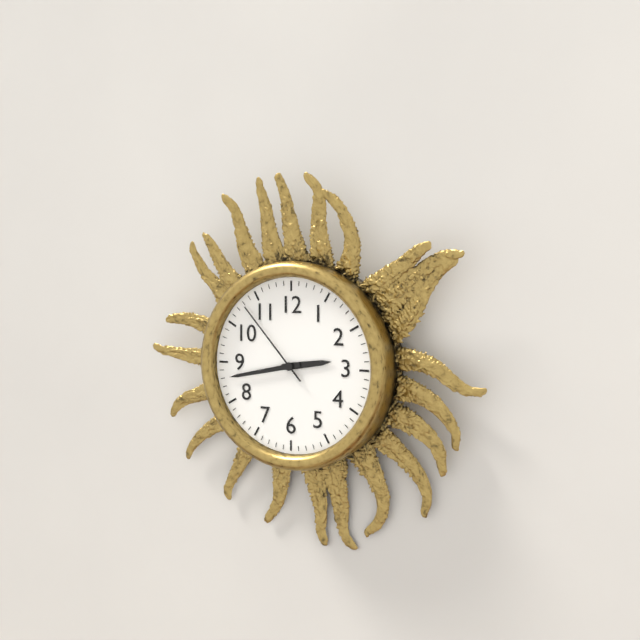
2h43m53s
